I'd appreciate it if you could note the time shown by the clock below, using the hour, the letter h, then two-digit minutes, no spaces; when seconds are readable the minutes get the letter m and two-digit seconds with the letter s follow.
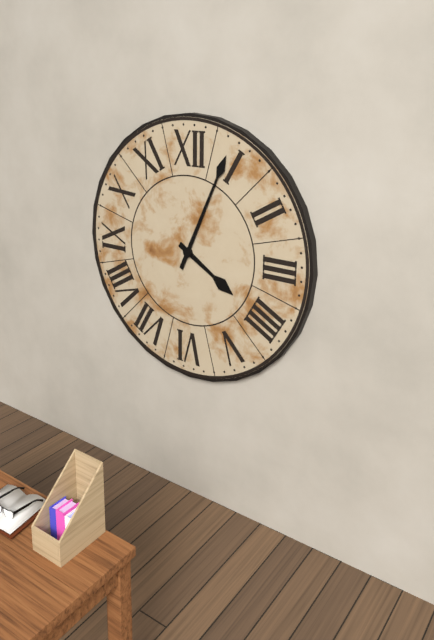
4h04
